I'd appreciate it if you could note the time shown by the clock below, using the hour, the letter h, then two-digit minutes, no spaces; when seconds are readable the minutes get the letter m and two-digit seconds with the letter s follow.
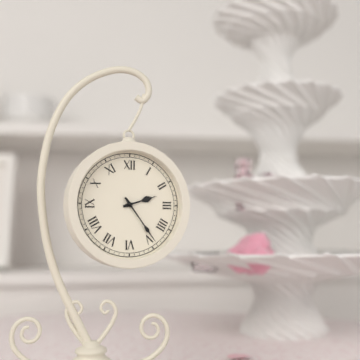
2h24
